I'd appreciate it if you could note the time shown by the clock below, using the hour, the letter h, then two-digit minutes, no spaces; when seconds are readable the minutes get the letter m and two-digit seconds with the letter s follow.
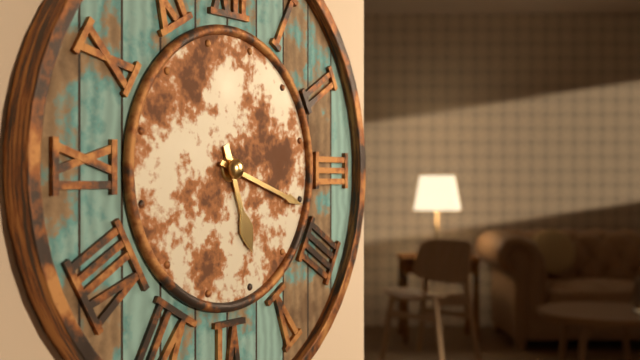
5h18
